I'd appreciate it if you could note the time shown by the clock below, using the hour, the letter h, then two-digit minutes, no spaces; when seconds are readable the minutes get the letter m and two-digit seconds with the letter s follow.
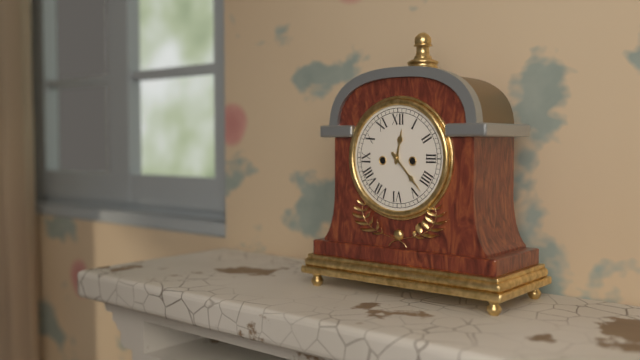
12h23
